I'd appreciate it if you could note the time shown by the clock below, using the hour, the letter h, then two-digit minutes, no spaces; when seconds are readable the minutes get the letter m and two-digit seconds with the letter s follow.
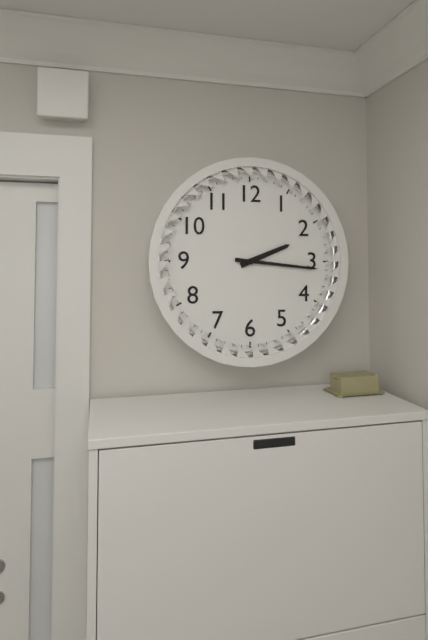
2h16
